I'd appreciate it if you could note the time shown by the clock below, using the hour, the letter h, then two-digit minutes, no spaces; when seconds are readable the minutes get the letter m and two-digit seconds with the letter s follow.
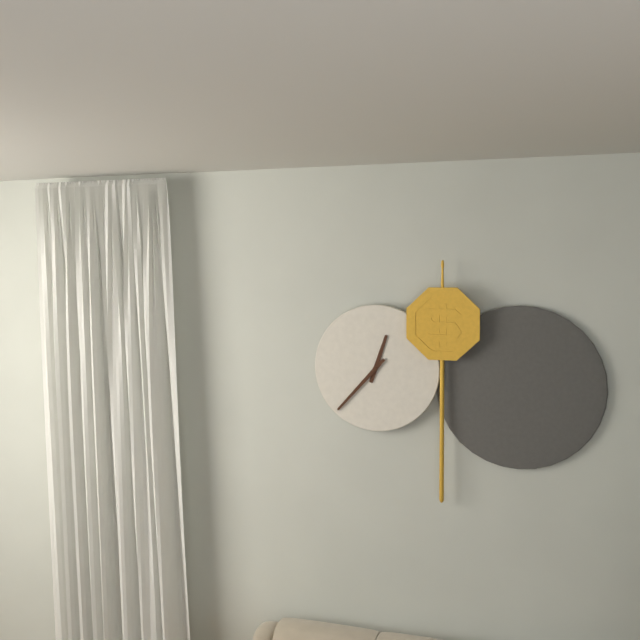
12h37
